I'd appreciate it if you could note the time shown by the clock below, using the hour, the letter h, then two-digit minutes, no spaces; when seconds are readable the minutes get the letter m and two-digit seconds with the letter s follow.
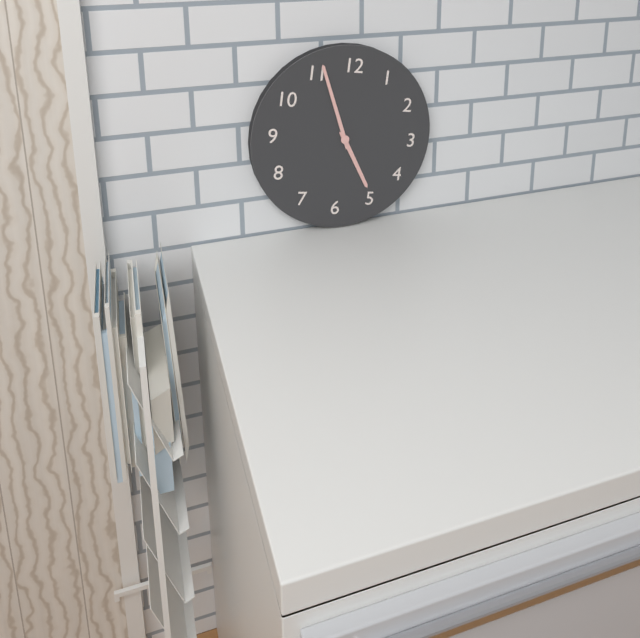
4h56
